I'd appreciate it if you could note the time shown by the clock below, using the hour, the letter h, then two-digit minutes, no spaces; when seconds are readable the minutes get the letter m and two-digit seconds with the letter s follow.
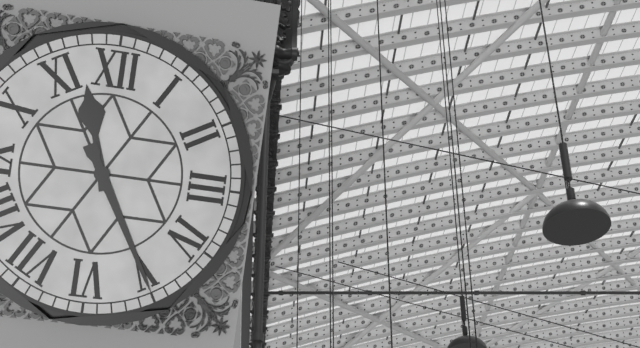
11h25
